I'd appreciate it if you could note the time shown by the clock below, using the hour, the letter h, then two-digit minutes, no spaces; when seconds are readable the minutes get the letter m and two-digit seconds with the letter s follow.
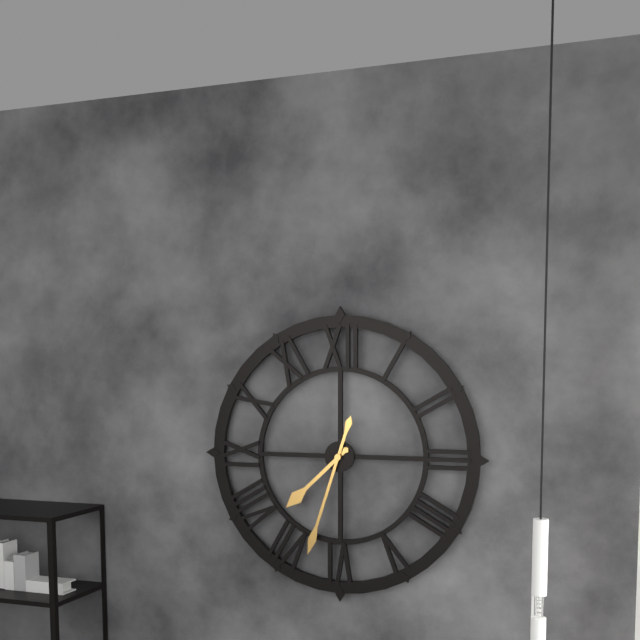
7h33
